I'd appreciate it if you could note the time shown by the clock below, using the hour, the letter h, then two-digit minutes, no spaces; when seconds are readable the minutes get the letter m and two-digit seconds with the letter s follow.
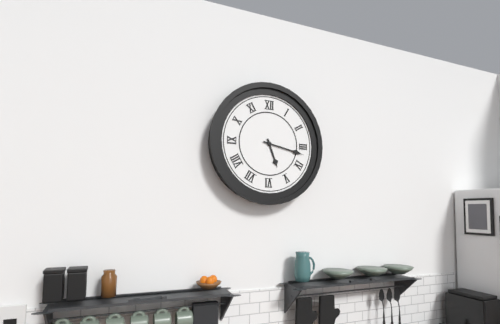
5h17
